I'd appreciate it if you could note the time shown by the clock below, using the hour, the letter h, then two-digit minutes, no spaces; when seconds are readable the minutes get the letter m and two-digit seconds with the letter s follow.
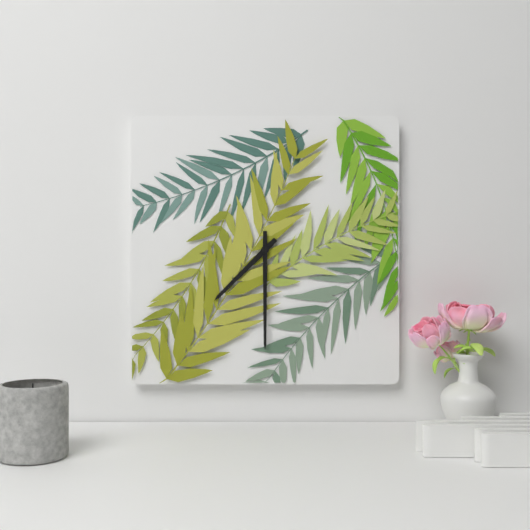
7h30
